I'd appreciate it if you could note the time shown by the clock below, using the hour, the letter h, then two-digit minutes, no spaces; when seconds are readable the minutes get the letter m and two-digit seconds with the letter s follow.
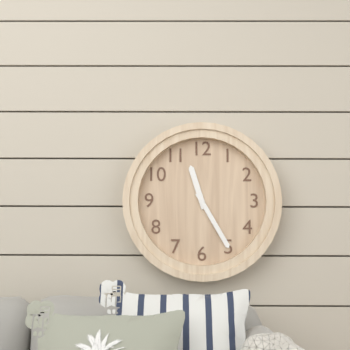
11h25
